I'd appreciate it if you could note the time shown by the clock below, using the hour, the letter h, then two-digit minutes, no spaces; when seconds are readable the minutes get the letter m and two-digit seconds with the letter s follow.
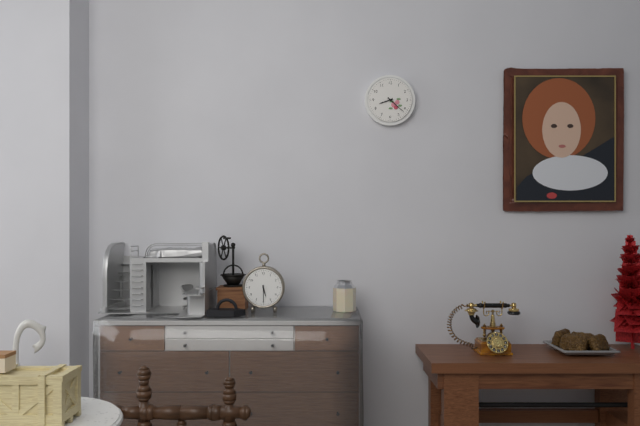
8h22
